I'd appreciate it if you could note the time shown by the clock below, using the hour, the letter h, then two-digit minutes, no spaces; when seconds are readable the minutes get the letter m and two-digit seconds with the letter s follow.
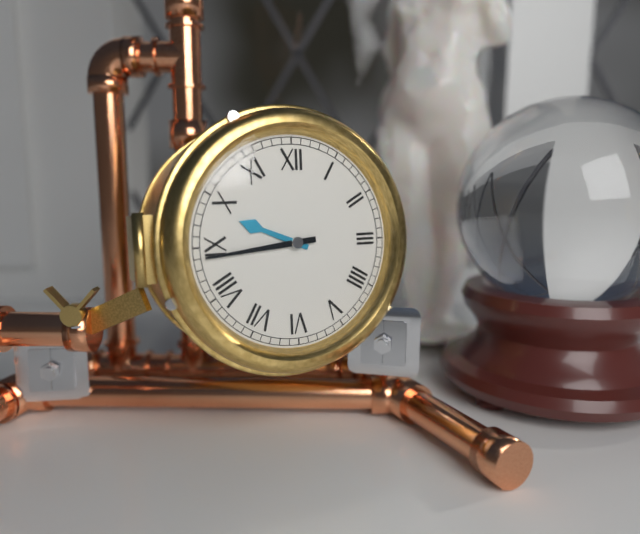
9h44
